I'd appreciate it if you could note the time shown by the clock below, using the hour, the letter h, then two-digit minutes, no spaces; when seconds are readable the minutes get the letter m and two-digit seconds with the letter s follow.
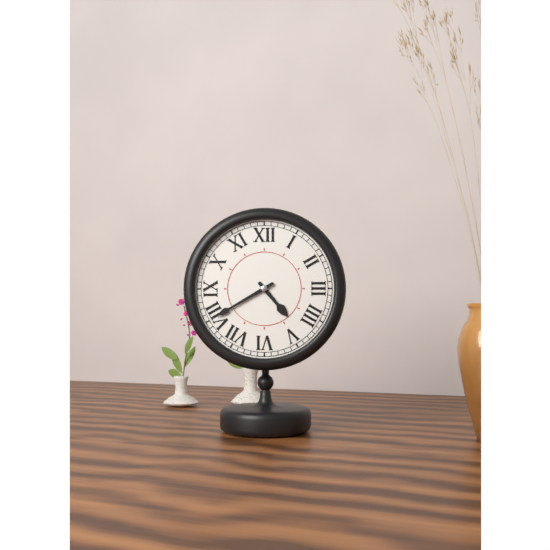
4h40
